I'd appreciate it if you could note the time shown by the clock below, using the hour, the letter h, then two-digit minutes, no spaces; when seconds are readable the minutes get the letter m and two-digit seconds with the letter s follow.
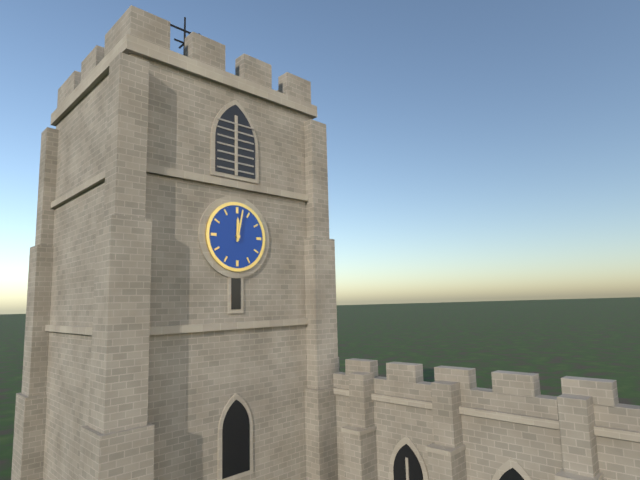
12h02
